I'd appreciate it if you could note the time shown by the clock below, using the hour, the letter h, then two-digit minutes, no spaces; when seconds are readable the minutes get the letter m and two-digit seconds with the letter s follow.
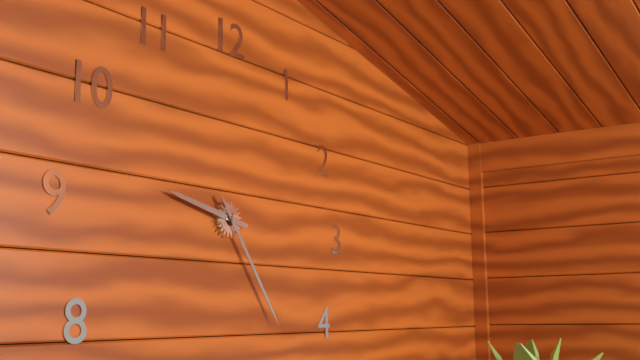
9h24
